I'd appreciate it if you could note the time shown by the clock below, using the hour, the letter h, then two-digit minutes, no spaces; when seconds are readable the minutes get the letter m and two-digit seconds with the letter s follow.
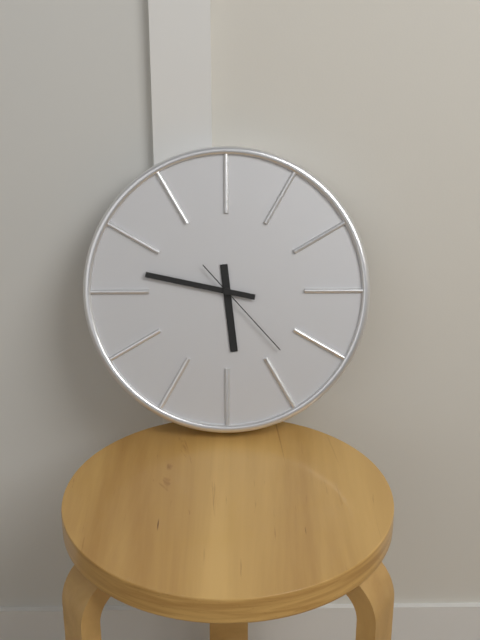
5h47m23s
